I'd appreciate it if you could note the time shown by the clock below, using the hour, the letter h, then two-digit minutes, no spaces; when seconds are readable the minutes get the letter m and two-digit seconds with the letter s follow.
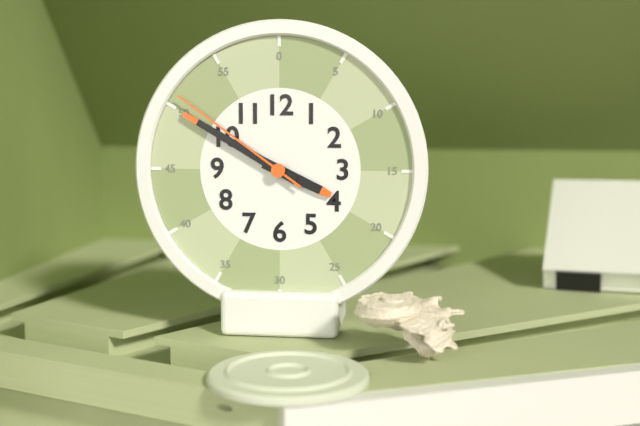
3h50m51s
